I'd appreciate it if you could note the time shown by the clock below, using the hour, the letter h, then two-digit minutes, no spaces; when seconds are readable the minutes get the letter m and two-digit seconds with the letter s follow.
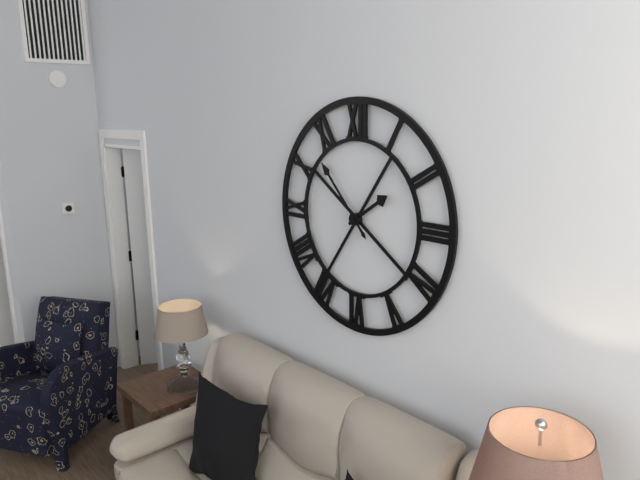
1h53
